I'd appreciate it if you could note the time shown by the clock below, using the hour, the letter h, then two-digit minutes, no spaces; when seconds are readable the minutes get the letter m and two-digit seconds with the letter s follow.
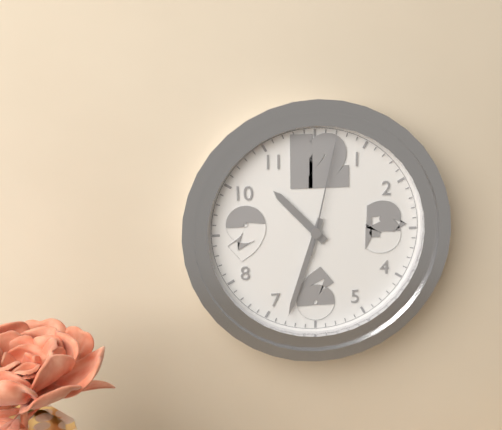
10h33m02s
